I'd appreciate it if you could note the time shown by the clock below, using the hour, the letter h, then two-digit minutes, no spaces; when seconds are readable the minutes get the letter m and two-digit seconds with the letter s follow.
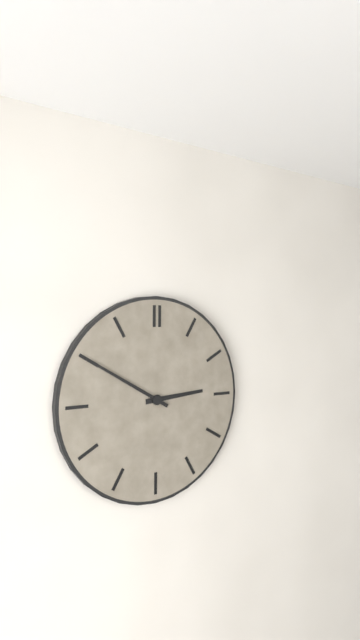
2h50
